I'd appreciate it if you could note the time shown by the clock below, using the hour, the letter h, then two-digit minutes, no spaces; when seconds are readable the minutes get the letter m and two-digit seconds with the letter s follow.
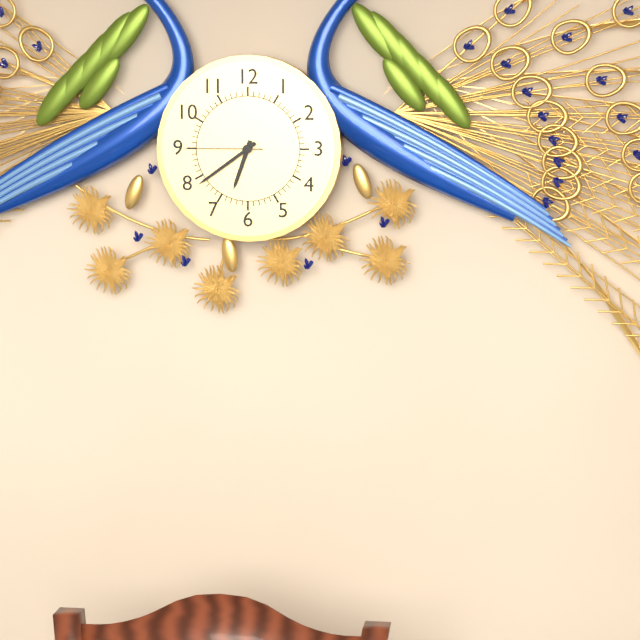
6h39m45s
